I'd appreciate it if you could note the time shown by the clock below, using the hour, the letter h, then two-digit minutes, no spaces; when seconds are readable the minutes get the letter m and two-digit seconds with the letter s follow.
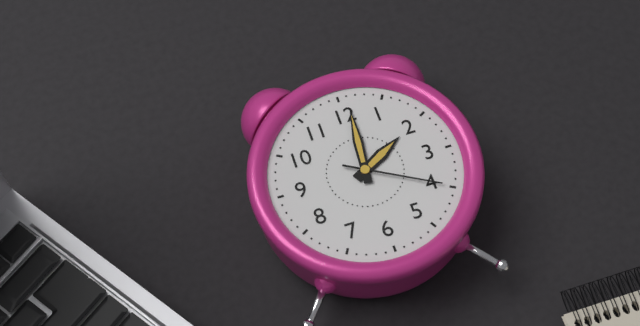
2h01m20s
